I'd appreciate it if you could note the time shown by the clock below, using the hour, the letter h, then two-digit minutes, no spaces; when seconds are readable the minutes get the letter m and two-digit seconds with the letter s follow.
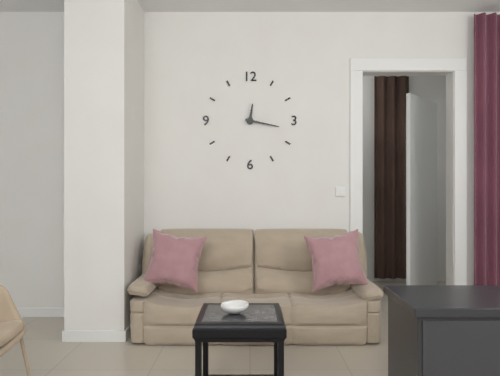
12h17
